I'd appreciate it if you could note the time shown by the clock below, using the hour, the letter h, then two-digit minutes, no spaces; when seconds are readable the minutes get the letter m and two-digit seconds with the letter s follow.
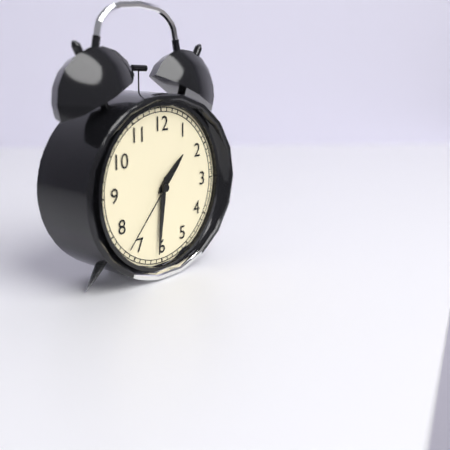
1h31m37s
